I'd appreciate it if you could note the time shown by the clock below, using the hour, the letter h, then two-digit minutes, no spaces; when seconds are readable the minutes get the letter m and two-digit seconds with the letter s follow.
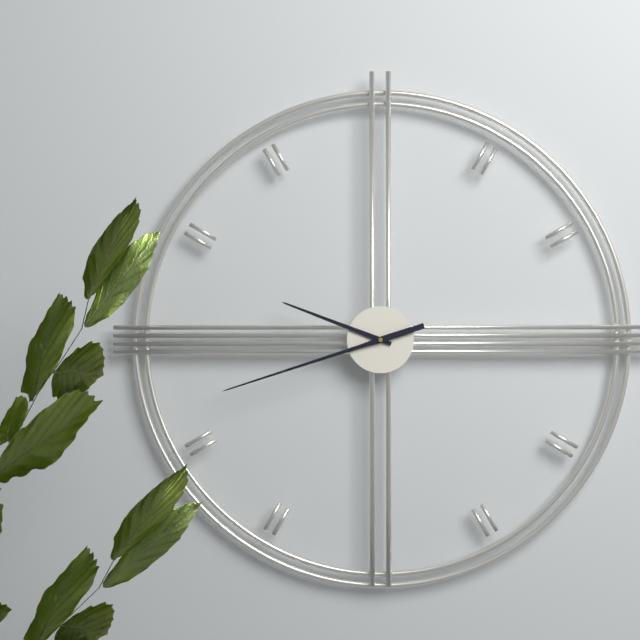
9h42
